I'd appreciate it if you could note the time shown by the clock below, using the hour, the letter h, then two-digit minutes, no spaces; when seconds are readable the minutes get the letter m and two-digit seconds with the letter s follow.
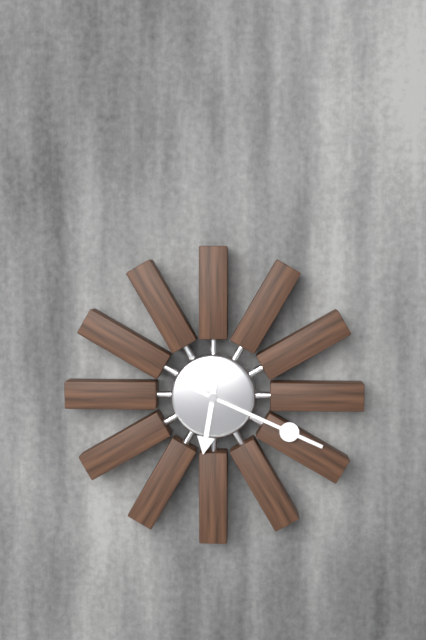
6h19
